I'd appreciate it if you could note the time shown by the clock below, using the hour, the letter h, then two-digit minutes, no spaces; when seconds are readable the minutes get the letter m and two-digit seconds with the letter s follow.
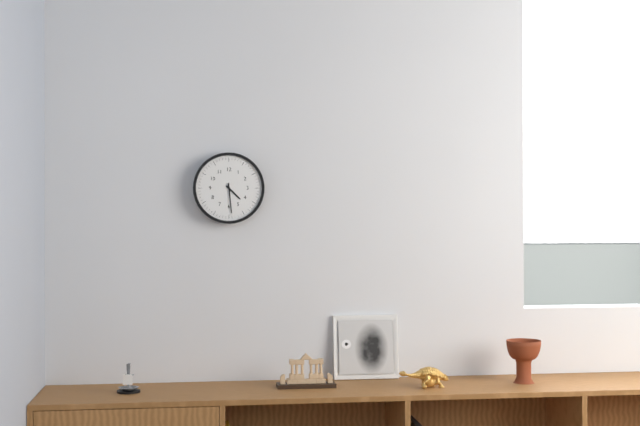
4h29
